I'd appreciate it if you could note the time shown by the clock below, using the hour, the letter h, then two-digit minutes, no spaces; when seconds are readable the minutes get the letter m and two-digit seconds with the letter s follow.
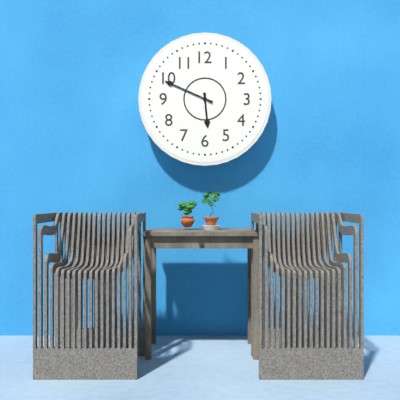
5h49
